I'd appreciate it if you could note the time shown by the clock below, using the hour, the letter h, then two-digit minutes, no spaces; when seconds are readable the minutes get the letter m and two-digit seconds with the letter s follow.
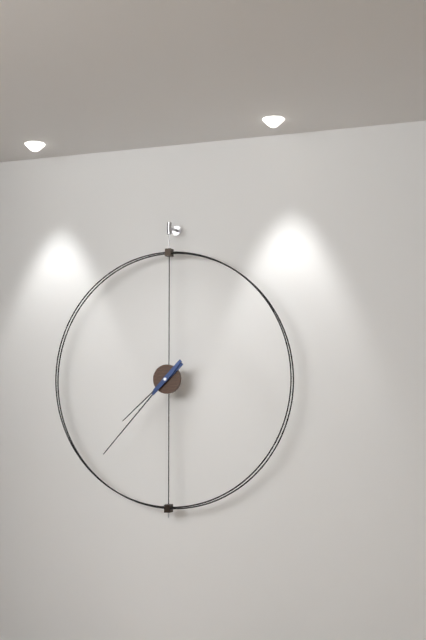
7h37
